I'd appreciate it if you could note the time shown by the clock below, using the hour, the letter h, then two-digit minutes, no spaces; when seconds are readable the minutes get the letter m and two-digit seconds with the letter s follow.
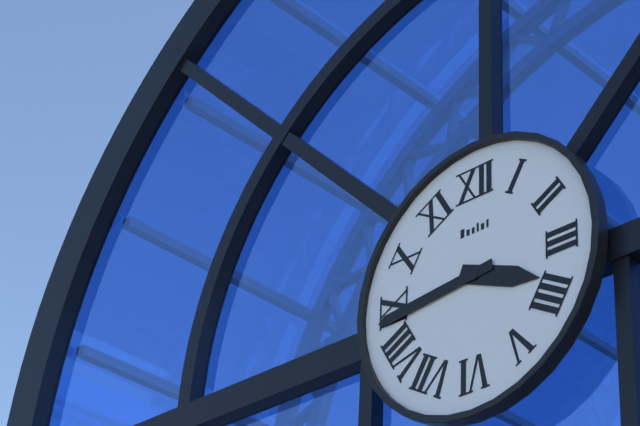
3h44
